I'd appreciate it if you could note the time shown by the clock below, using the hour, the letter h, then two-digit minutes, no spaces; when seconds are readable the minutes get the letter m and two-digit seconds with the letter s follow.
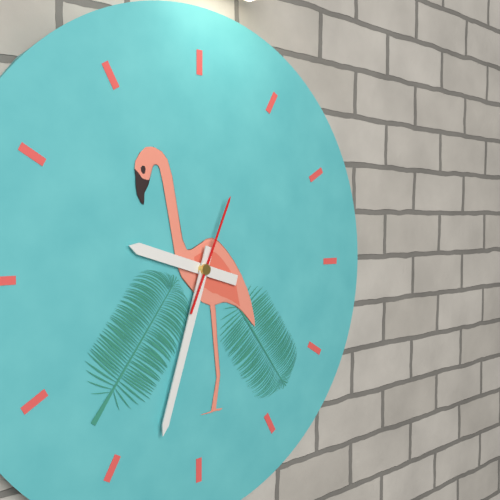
9h33m04s
